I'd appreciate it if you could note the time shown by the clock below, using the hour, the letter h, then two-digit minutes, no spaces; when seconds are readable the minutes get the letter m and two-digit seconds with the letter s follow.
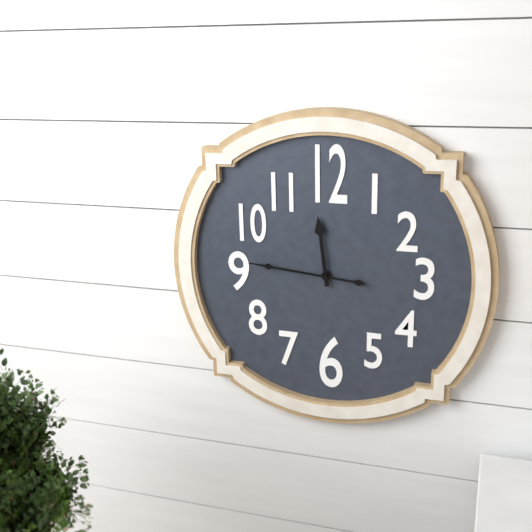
11h46
